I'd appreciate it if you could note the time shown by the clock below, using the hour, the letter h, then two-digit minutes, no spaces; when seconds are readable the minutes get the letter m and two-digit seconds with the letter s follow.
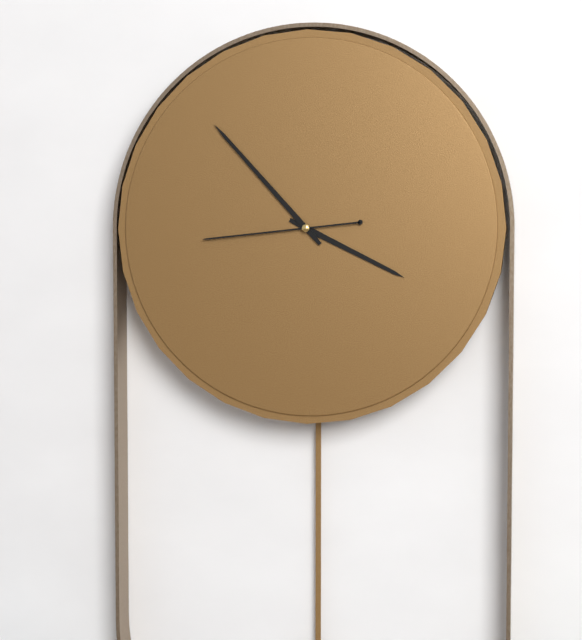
3h53m44s
